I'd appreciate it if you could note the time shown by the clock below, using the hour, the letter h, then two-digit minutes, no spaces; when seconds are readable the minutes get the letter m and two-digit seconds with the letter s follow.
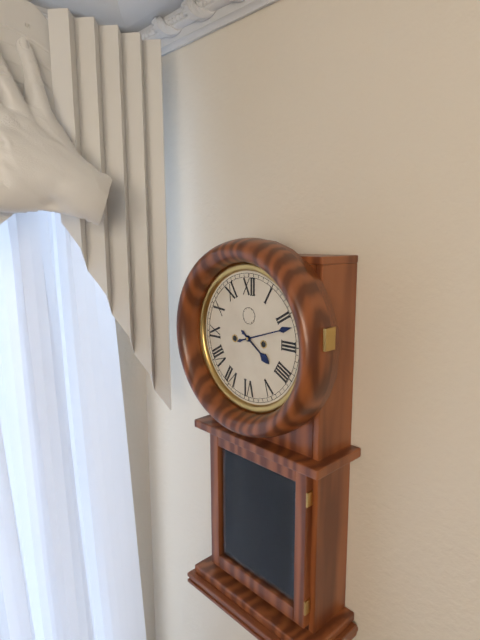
4h12
